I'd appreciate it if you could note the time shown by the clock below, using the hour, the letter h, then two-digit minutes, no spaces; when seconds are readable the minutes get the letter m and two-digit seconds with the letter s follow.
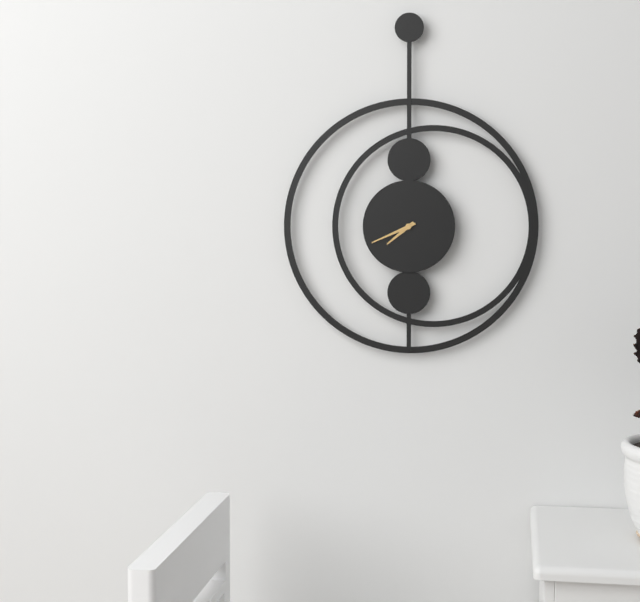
7h41
